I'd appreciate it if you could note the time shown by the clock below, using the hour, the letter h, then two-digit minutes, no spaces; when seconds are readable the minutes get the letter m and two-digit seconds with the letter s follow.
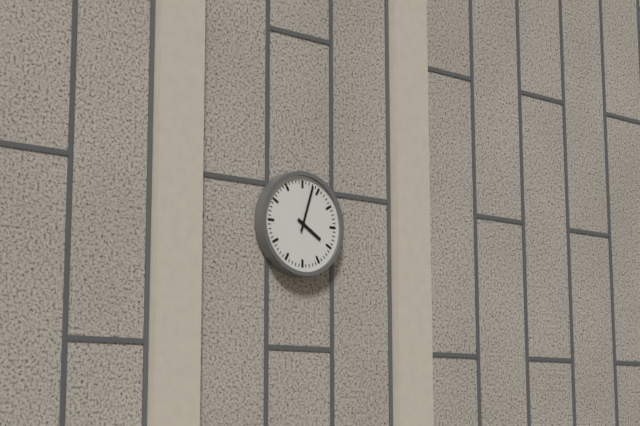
4h03
